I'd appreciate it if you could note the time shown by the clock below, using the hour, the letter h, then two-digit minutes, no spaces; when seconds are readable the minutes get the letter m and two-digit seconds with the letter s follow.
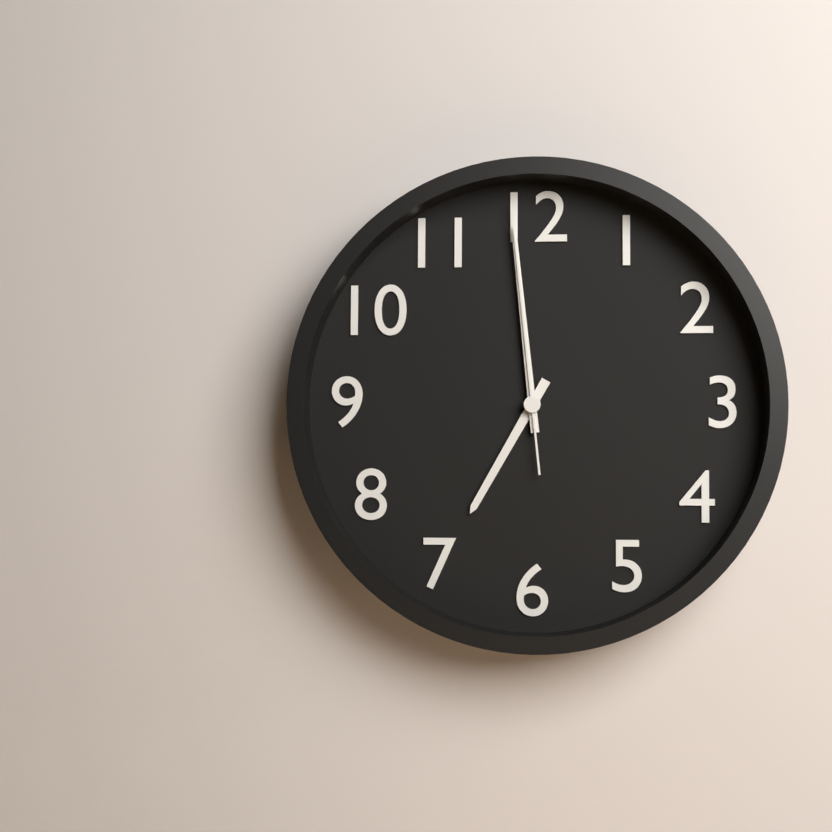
6h59m59s
